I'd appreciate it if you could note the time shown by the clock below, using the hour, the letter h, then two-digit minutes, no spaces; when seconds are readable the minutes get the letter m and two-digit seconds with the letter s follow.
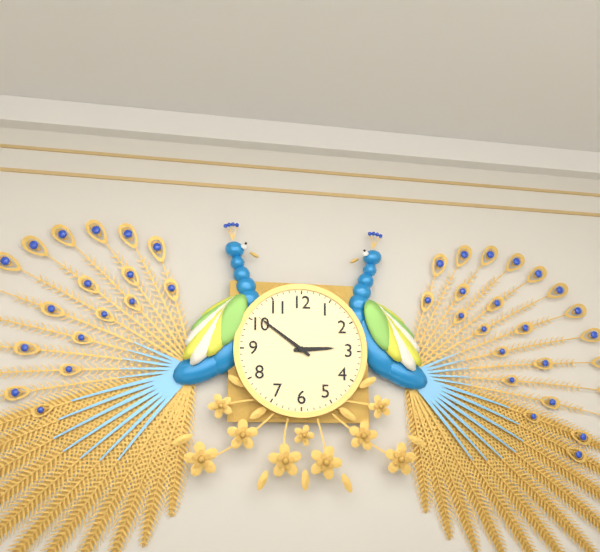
2h51
